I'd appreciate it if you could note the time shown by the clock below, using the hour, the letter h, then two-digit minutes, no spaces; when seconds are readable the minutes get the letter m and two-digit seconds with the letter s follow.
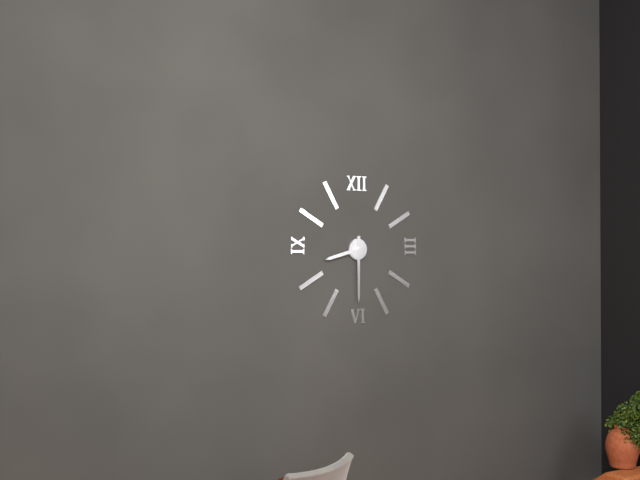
8h30
